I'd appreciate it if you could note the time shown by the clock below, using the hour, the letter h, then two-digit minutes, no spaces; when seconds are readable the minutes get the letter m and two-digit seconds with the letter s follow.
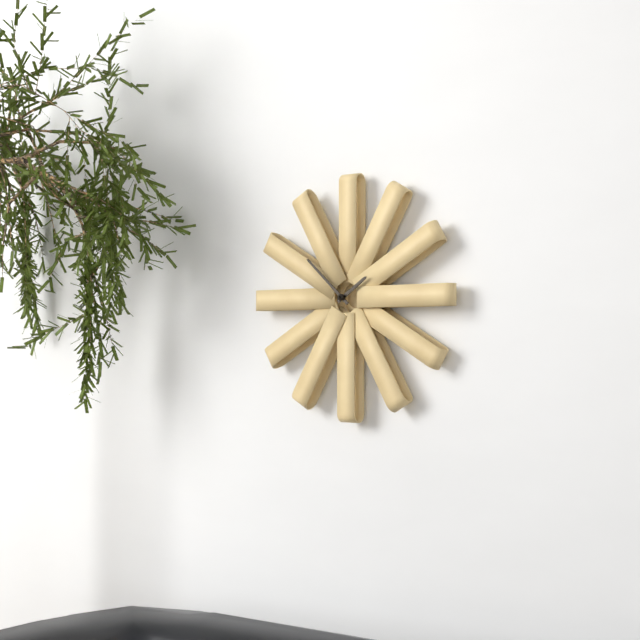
1h52
